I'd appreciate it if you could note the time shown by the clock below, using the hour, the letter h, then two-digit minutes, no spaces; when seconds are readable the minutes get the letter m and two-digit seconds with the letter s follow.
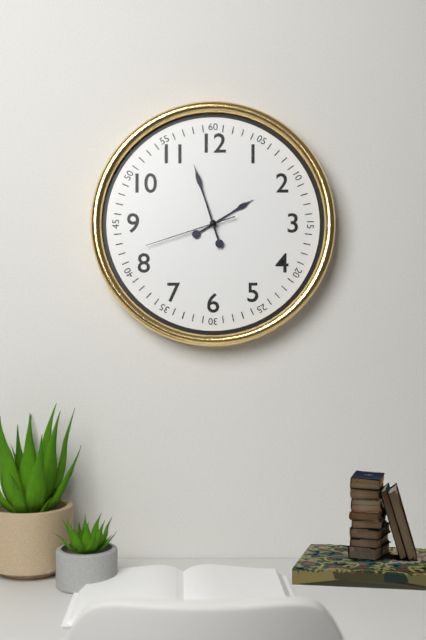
1h57m42s
